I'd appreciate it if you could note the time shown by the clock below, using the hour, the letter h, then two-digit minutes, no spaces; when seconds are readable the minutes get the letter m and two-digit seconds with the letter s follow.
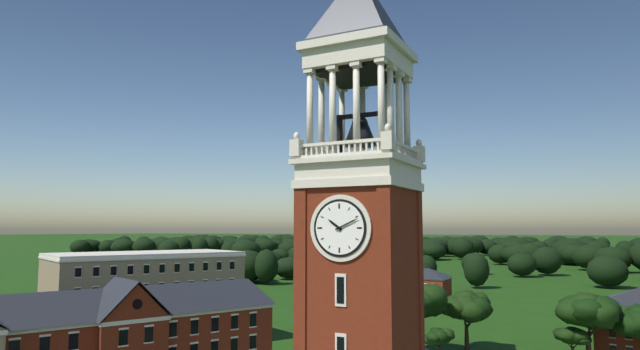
10h11
